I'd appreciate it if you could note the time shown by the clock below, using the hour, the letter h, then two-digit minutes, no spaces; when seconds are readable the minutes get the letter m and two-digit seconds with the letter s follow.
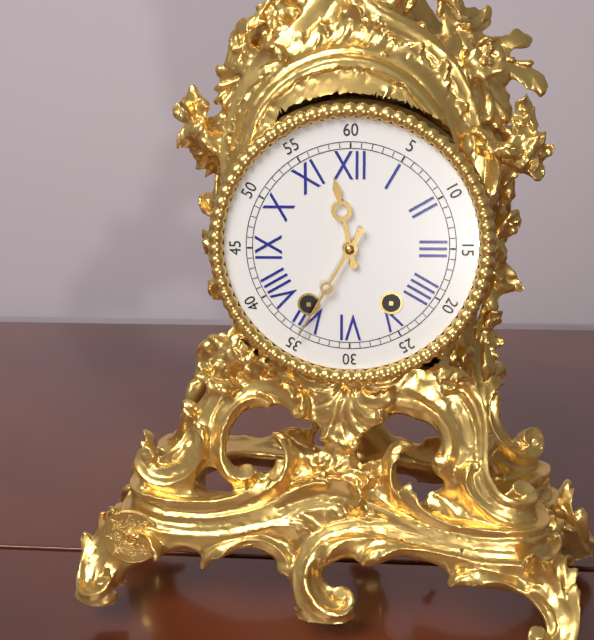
11h35
